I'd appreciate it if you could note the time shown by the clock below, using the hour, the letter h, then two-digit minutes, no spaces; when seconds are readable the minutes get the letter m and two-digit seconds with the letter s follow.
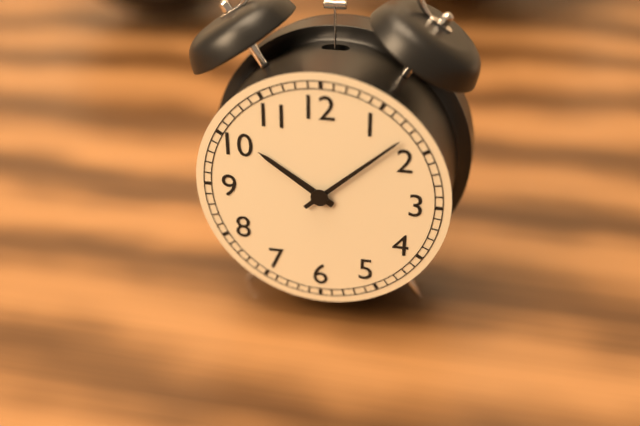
10h08
